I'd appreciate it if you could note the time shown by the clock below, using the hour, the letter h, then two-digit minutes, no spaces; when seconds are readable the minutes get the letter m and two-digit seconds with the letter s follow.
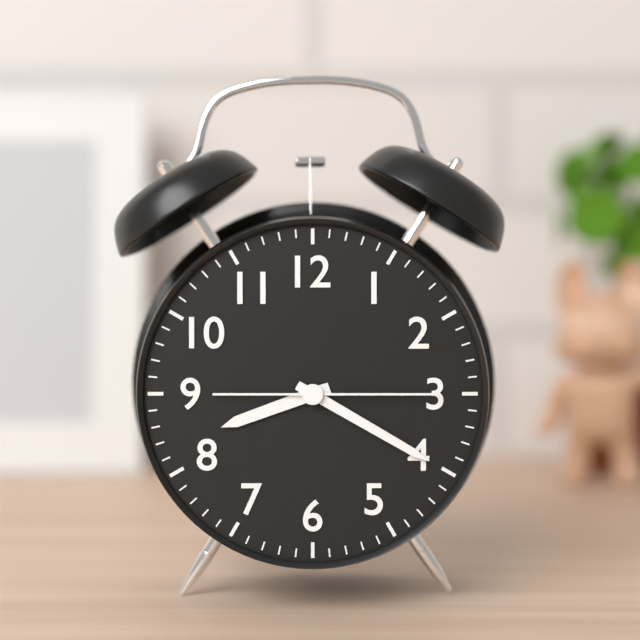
8h20m15s
